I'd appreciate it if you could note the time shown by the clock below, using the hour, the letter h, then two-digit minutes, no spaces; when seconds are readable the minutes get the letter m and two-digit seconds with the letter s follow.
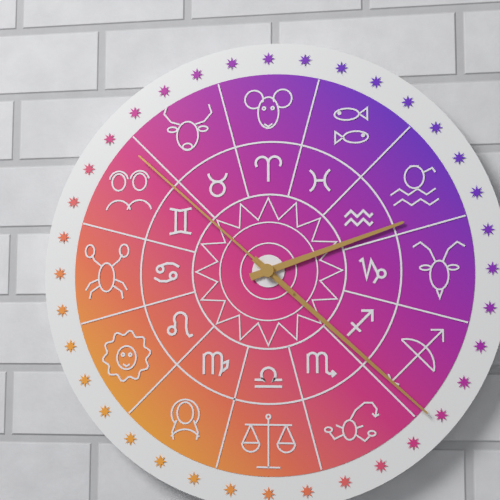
2h22m52s
